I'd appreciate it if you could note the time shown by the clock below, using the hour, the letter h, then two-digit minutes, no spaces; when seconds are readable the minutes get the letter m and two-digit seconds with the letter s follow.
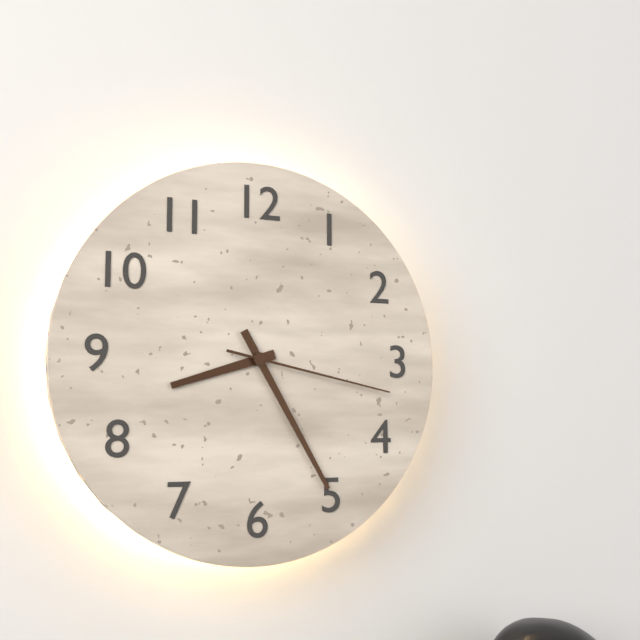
8h25m17s
